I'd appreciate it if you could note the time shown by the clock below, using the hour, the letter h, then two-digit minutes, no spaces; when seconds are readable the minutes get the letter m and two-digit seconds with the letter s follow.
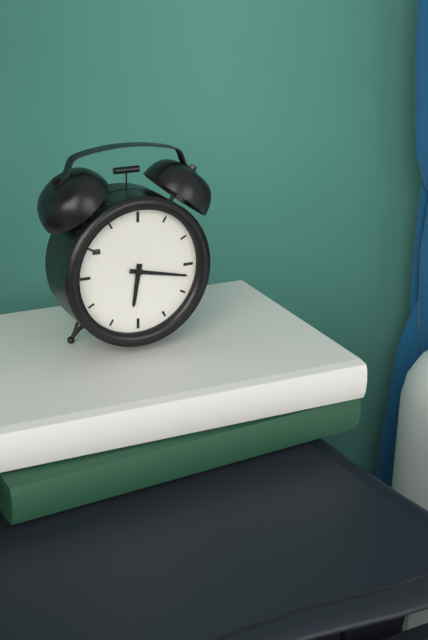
6h17
